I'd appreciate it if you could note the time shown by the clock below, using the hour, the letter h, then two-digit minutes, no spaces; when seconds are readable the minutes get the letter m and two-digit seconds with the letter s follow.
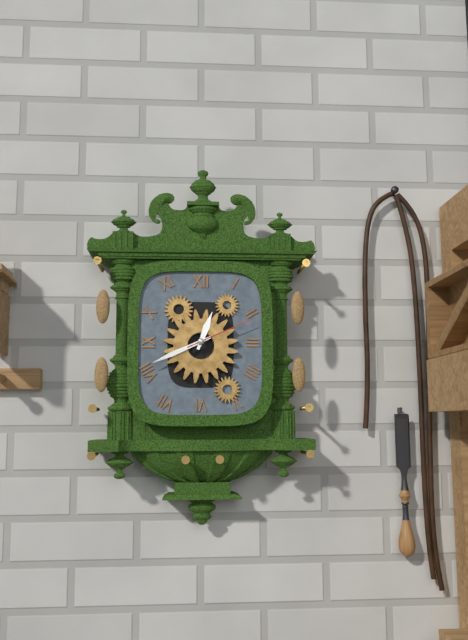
12h41m11s
